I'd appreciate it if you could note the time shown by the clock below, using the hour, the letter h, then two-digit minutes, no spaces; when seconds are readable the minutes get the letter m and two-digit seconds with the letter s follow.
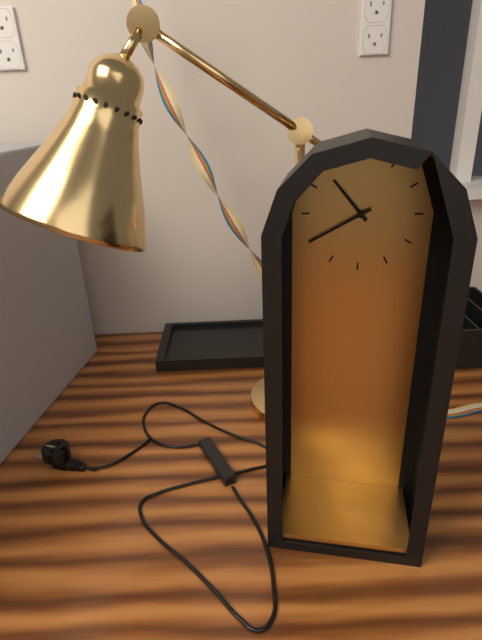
10h40
